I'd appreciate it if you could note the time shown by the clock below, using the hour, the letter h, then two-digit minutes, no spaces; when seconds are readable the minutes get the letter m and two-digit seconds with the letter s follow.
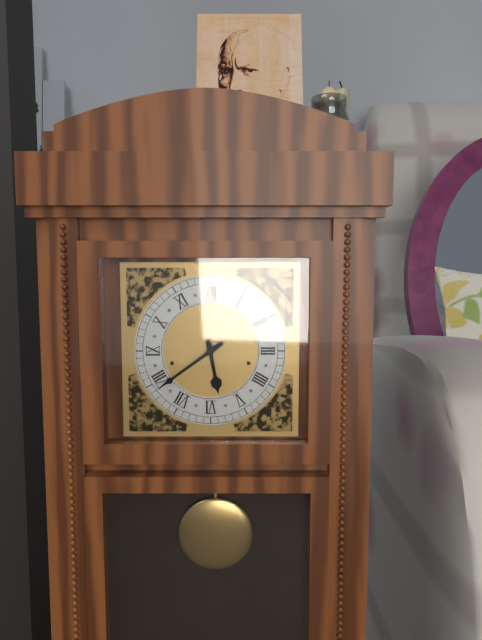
5h39
